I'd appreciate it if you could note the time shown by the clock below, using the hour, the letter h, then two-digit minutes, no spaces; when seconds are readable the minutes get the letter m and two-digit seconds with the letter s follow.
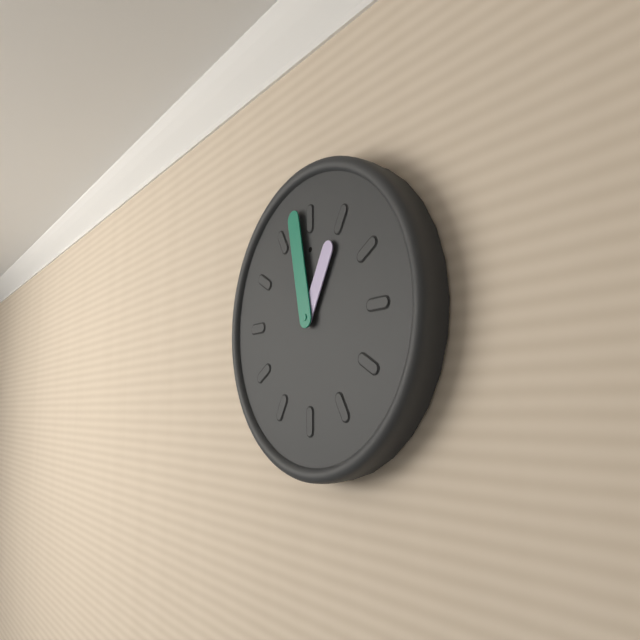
12h58
